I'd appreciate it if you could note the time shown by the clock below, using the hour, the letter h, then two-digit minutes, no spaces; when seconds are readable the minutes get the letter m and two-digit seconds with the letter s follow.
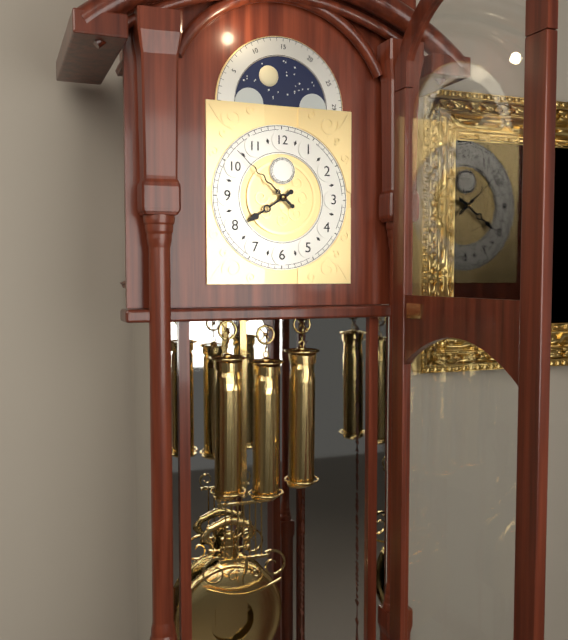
7h52
